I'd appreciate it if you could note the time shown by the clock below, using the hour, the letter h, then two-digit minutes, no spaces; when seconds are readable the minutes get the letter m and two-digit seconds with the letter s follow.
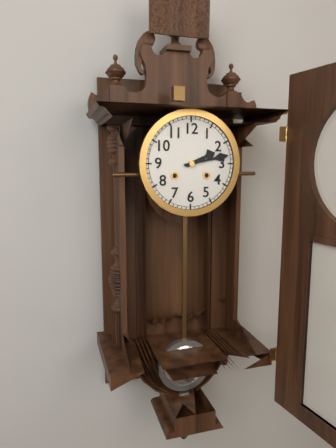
2h13
